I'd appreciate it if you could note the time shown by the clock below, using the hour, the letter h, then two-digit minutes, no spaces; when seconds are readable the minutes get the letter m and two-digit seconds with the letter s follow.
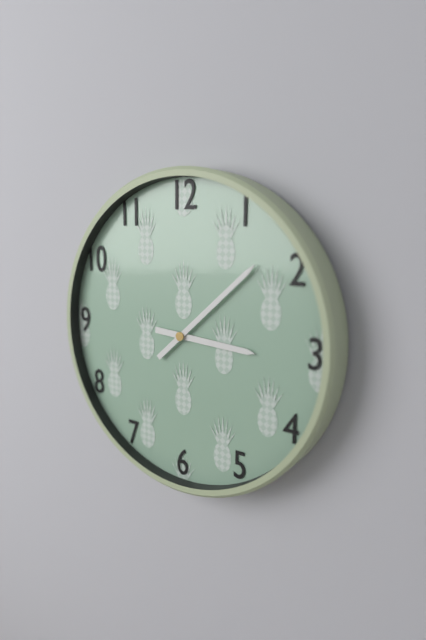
3h08
